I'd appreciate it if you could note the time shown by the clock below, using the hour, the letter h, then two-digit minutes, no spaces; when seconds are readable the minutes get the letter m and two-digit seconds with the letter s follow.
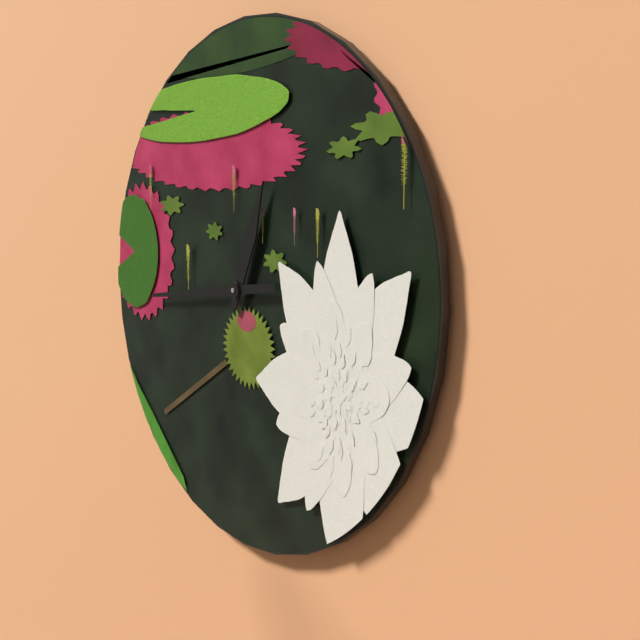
12h44
